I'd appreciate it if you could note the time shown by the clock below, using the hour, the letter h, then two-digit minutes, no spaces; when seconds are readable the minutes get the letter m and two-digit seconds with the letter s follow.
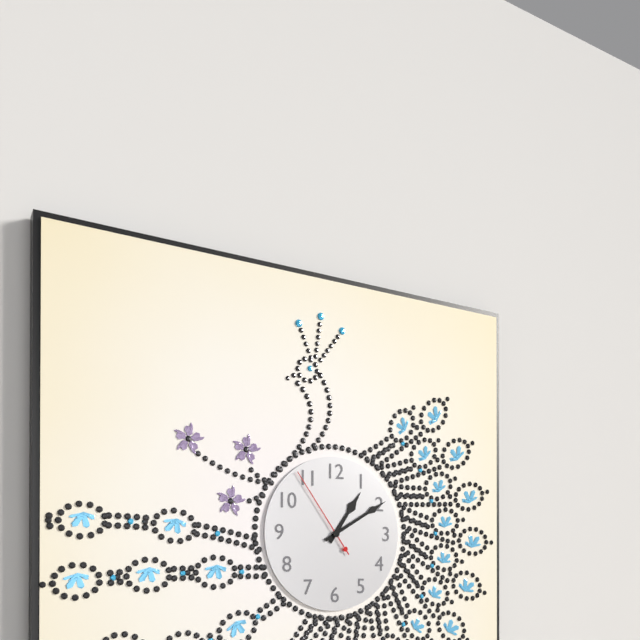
1h10m54s
